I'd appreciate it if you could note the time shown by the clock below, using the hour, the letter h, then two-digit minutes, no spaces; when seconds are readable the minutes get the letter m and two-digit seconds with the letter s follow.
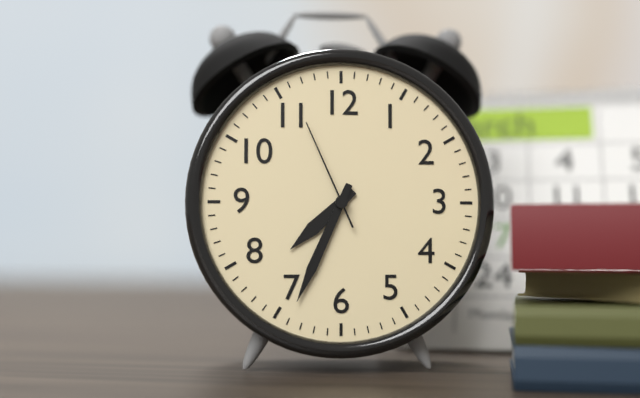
7h34m56s
